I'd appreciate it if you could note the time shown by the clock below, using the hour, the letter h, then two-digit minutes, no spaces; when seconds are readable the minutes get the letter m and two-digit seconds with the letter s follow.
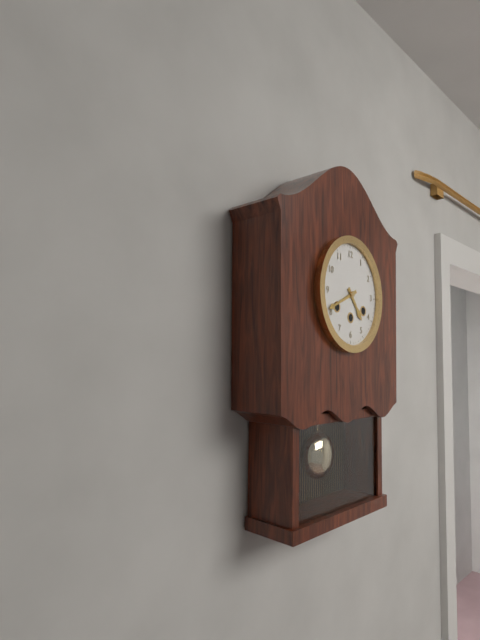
4h41
